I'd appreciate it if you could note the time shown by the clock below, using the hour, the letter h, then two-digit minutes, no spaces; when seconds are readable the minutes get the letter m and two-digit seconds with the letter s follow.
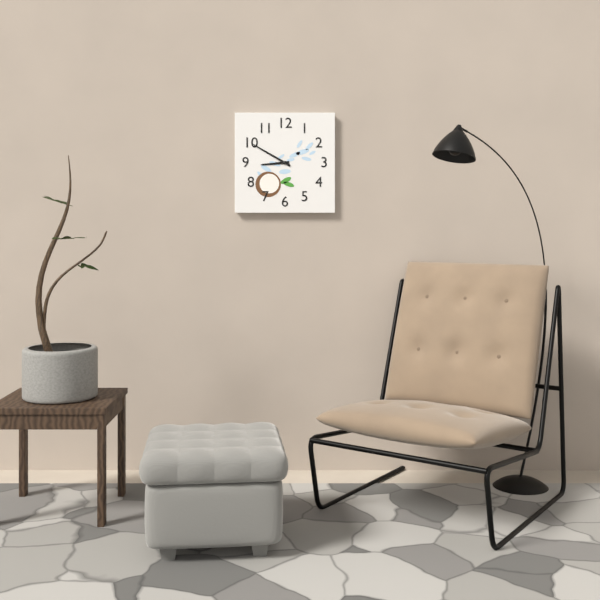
8h50
